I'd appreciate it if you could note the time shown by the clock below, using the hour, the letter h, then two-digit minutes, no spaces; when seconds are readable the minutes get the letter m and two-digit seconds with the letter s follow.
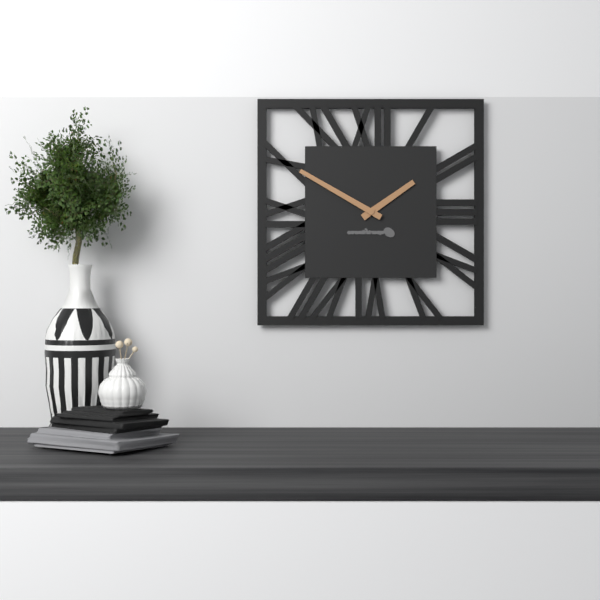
1h50
